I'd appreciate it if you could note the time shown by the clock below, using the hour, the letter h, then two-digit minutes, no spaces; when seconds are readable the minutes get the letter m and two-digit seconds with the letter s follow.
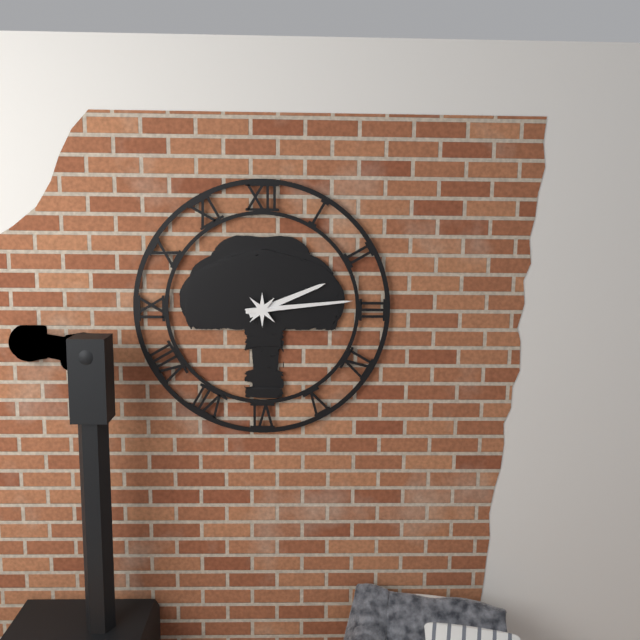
2h14
